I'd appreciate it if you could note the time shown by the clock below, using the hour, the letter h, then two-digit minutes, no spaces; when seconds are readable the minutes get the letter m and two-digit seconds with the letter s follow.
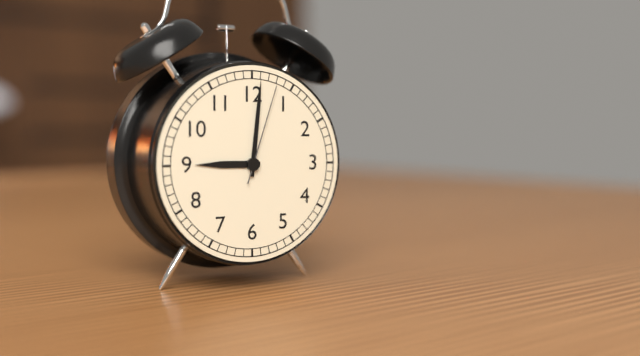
9h01m03s
